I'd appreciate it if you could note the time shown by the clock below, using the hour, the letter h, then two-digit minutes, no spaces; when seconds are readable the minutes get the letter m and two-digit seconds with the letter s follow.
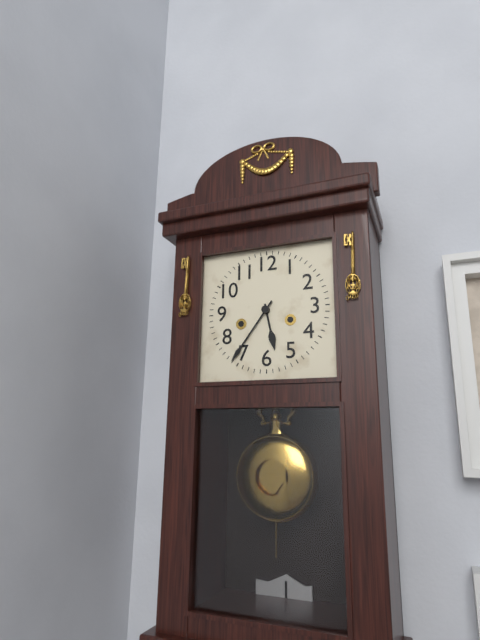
5h36
